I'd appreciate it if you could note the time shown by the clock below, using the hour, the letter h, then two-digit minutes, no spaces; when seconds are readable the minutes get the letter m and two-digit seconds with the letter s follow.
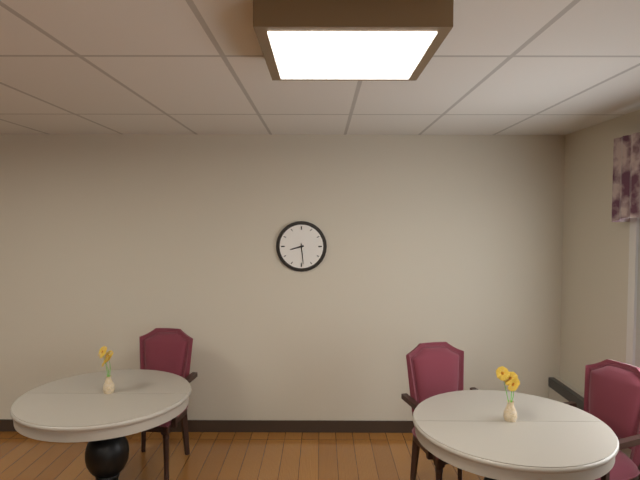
8h29
